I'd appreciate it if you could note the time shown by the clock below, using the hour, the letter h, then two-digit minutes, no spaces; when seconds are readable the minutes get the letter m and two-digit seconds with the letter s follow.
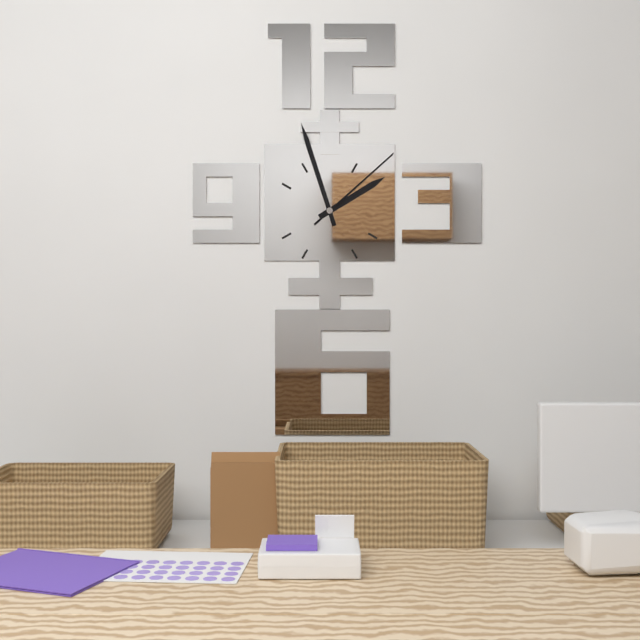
1h57m08s
